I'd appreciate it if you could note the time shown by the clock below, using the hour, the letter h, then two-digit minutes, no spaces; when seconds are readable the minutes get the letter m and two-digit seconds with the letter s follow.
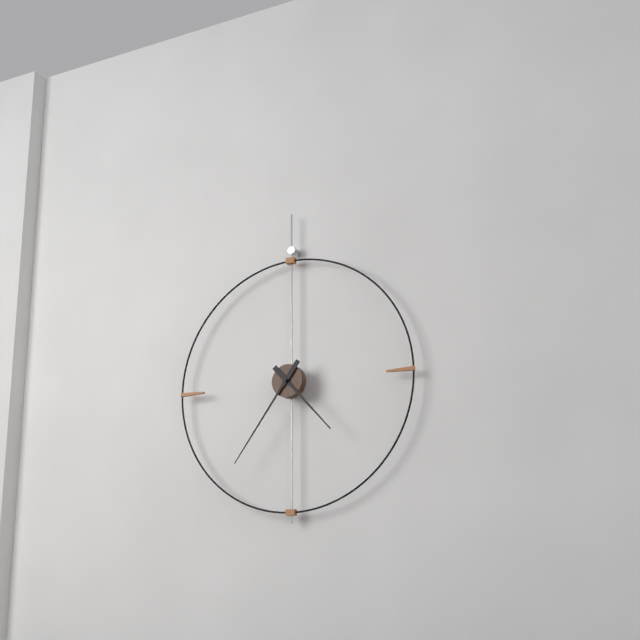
4h36
